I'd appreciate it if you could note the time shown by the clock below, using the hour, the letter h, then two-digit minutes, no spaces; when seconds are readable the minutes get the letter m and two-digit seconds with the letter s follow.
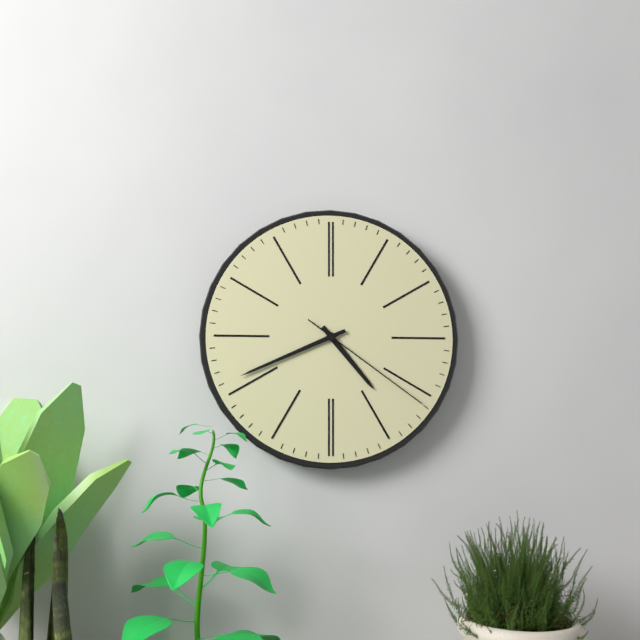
4h41m21s
